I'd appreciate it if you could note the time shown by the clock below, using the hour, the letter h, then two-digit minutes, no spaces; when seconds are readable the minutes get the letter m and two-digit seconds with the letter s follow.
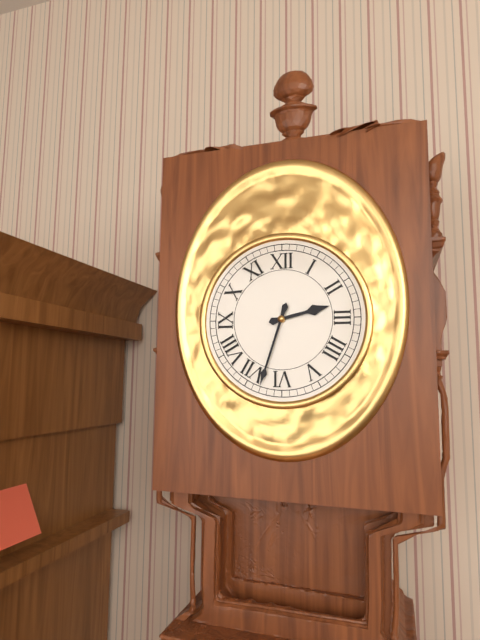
2h33
